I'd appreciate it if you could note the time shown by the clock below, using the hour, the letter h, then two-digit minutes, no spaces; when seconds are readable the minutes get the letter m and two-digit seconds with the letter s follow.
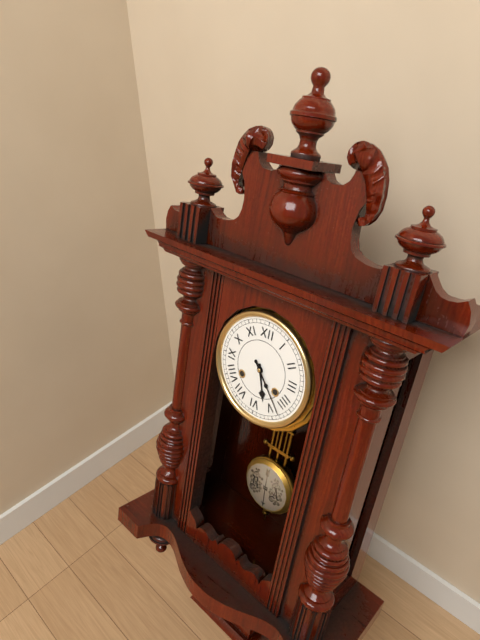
5h23
